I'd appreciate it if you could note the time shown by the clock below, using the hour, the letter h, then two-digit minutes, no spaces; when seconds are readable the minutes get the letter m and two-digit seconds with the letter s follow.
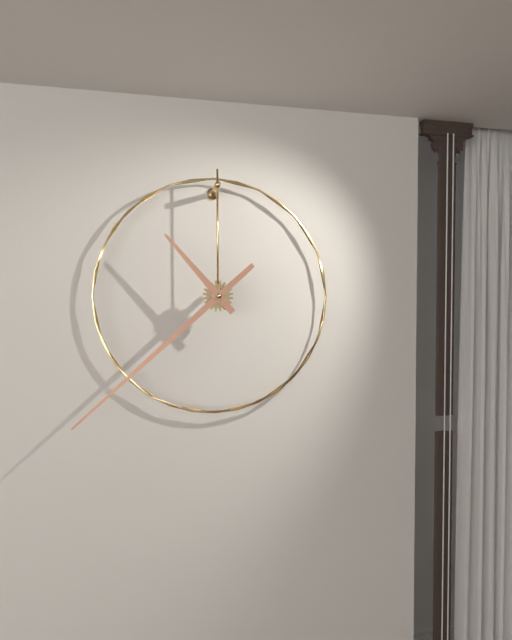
10h38
